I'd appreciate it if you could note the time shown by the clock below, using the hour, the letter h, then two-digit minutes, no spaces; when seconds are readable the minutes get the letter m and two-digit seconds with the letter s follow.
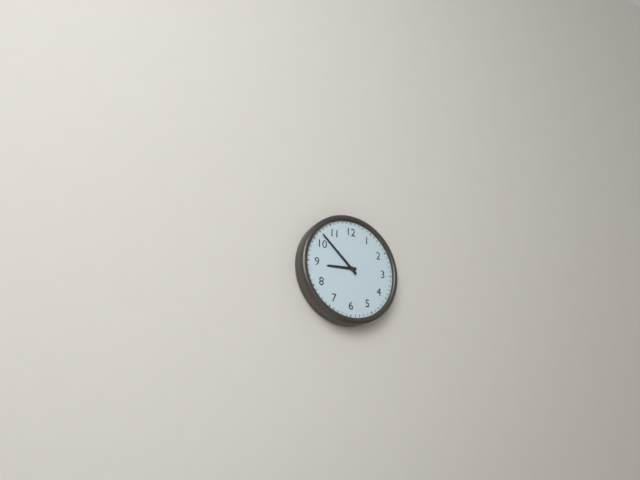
8h52
